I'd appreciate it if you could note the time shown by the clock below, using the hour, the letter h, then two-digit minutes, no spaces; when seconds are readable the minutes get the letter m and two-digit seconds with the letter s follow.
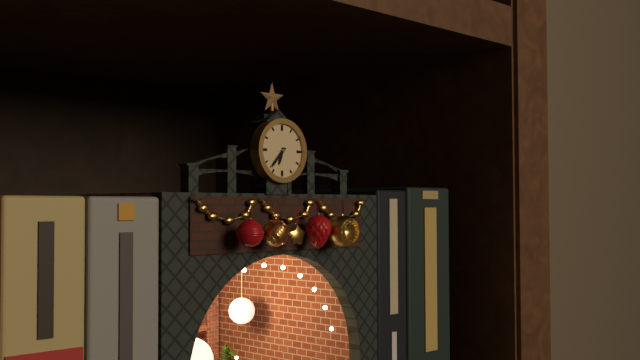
6h37
